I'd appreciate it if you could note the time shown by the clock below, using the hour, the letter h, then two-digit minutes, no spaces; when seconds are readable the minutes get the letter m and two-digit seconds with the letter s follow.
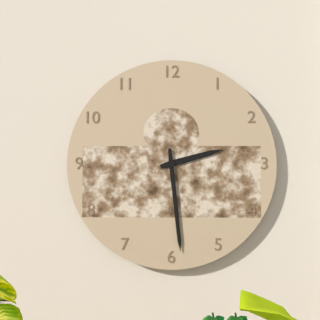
2h29
